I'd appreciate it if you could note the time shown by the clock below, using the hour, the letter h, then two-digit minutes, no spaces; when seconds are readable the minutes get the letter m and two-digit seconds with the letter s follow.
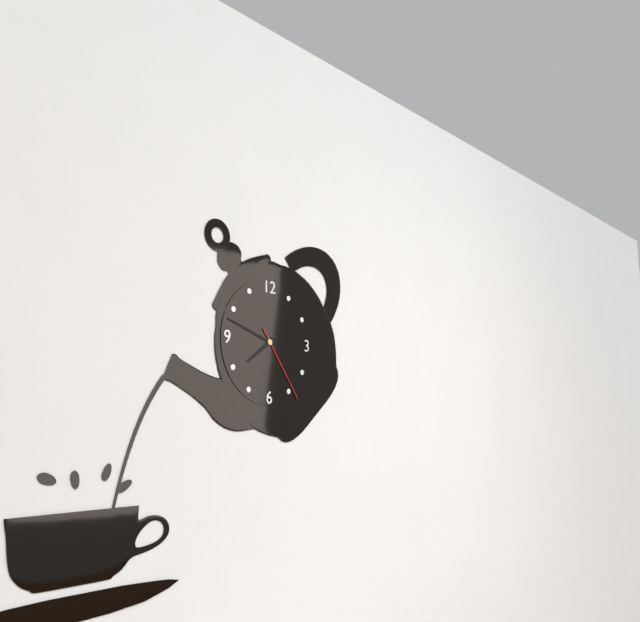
7h48m24s
